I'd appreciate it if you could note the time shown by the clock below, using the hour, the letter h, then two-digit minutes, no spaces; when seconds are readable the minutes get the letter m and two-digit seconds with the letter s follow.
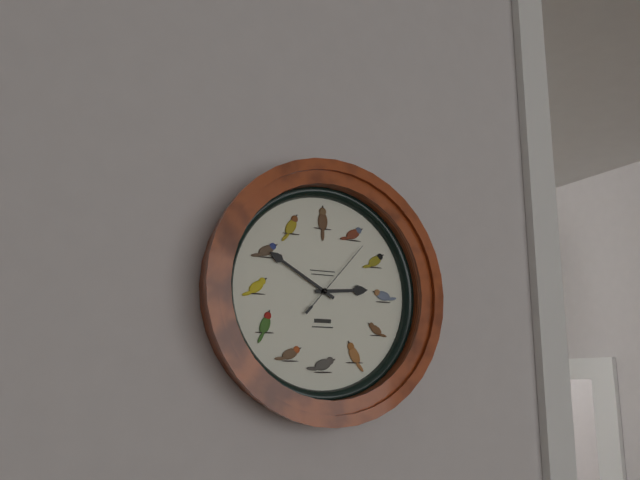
2h50m07s
